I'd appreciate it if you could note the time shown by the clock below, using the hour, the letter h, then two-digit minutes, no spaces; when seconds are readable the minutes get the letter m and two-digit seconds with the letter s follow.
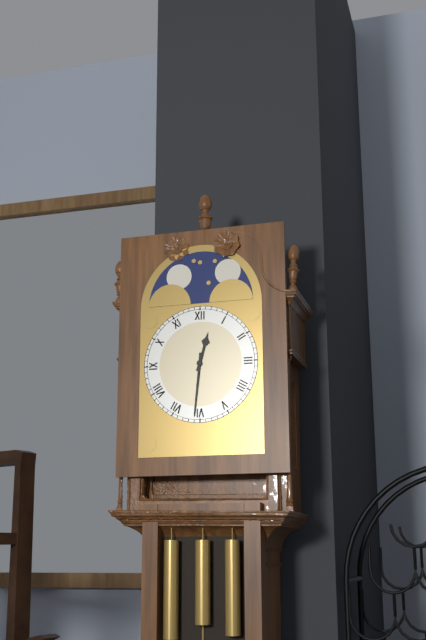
12h31
